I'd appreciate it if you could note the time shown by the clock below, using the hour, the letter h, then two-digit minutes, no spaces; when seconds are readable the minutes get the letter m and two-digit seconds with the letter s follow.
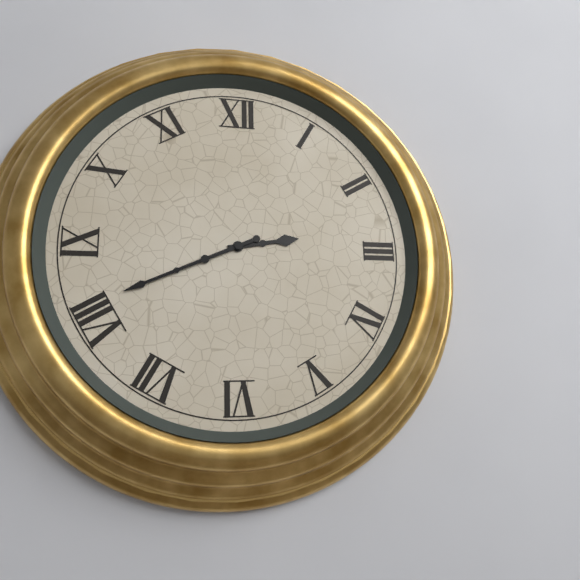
2h41
